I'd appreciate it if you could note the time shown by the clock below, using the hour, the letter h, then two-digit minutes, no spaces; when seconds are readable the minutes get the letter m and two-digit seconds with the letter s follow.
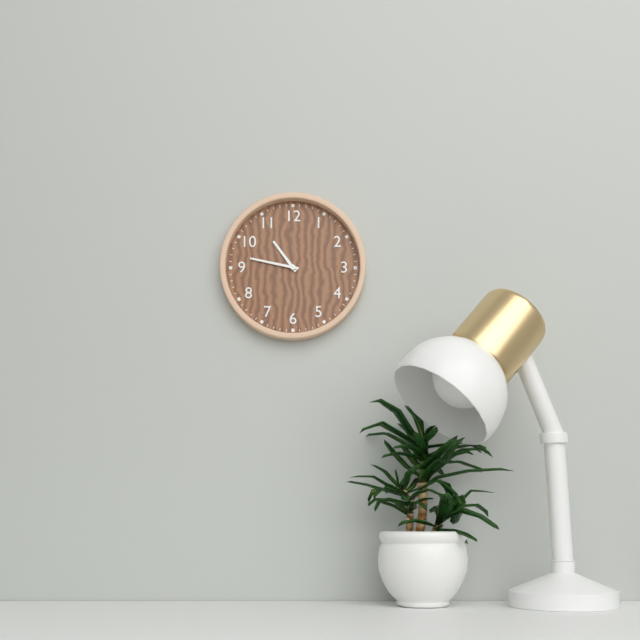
10h47
